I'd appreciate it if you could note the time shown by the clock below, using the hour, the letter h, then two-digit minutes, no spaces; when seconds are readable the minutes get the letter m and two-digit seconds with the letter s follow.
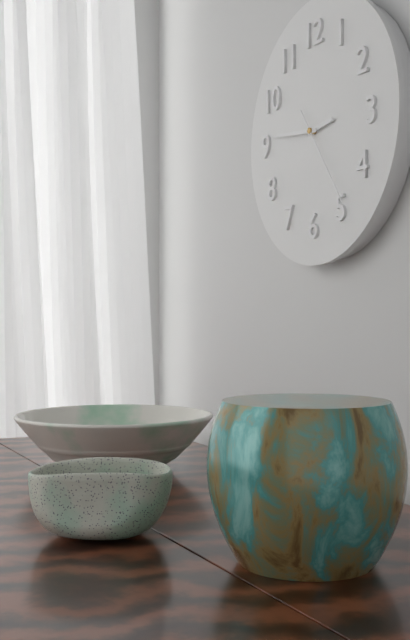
2h46m24s
